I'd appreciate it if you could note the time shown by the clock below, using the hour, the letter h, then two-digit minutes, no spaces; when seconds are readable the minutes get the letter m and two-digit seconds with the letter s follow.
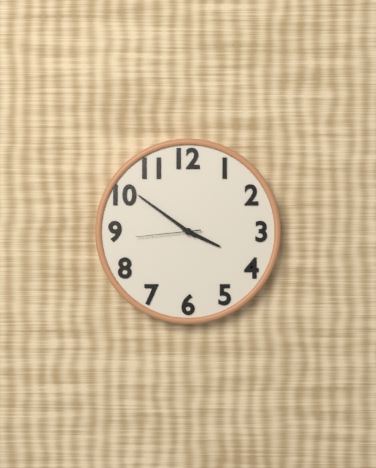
3h51m44s
